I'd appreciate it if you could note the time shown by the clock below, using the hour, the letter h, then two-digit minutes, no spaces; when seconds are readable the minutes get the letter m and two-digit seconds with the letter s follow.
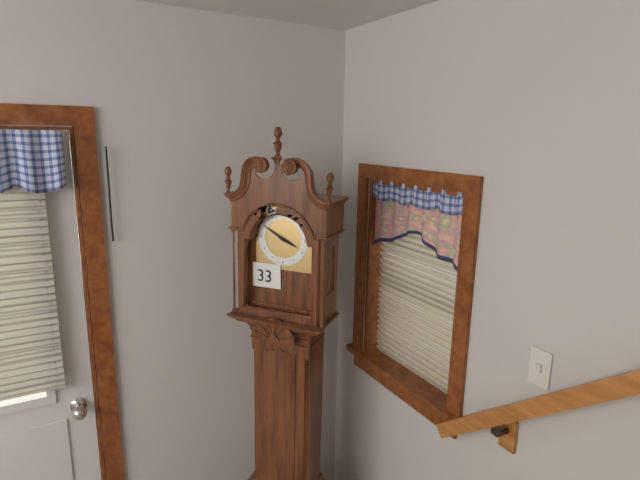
3h50
